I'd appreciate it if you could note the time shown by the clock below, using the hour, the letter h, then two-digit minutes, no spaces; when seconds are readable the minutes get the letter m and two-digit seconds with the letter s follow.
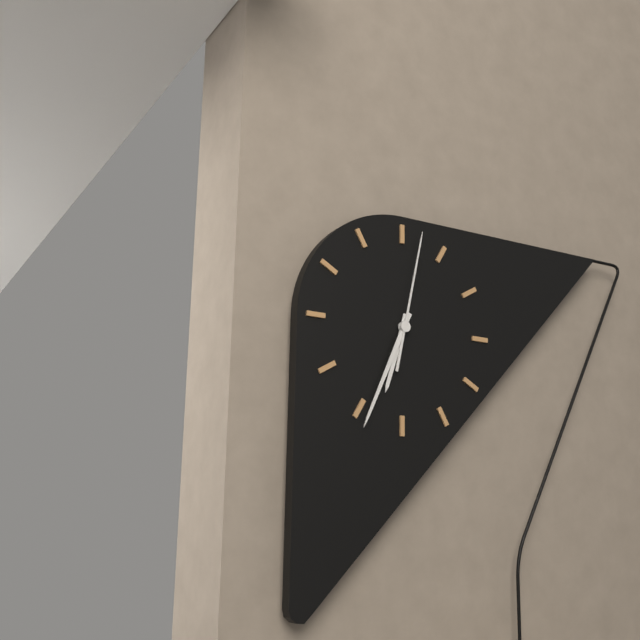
6h34m02s
